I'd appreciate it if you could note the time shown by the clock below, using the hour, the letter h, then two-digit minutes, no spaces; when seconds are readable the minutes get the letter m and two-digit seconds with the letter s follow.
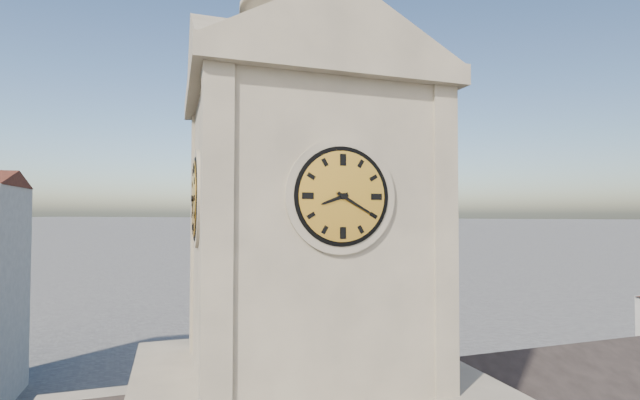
8h20
